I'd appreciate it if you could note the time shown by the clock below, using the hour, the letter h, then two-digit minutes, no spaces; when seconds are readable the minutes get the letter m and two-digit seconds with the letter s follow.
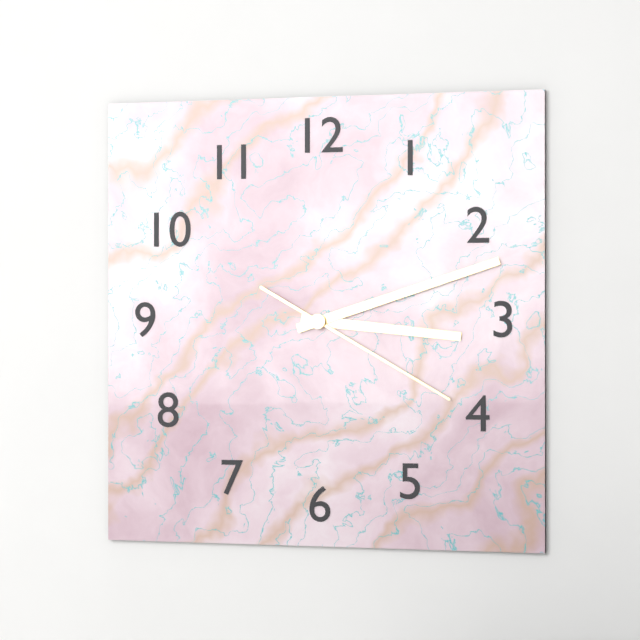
3h12m20s
